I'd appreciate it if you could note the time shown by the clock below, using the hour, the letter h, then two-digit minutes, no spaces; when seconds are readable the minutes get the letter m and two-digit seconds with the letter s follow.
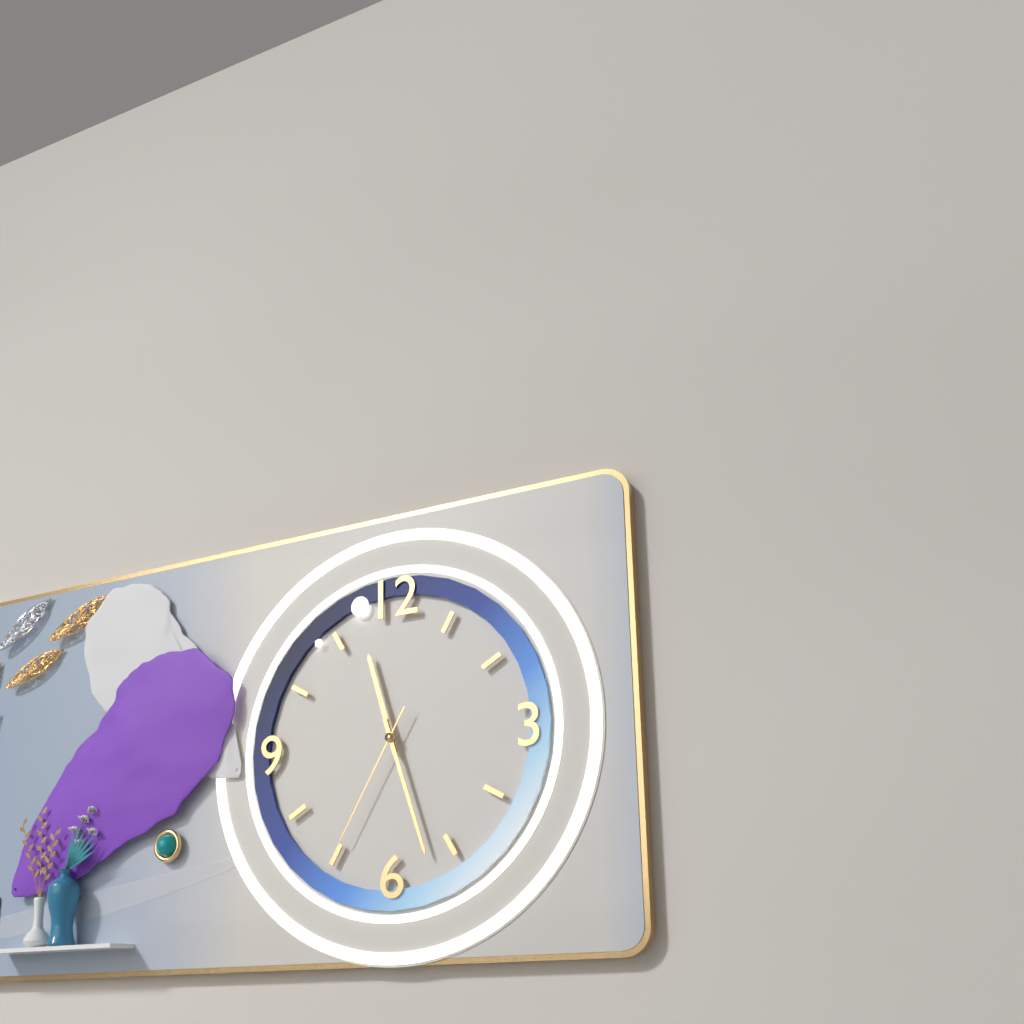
11h27m35s
